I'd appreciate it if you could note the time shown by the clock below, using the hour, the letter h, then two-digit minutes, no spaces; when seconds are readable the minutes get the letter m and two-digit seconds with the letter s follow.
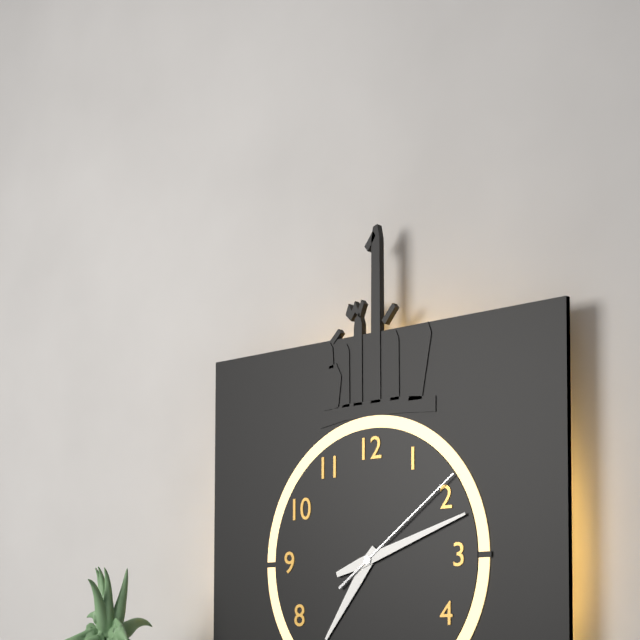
7h12m09s
